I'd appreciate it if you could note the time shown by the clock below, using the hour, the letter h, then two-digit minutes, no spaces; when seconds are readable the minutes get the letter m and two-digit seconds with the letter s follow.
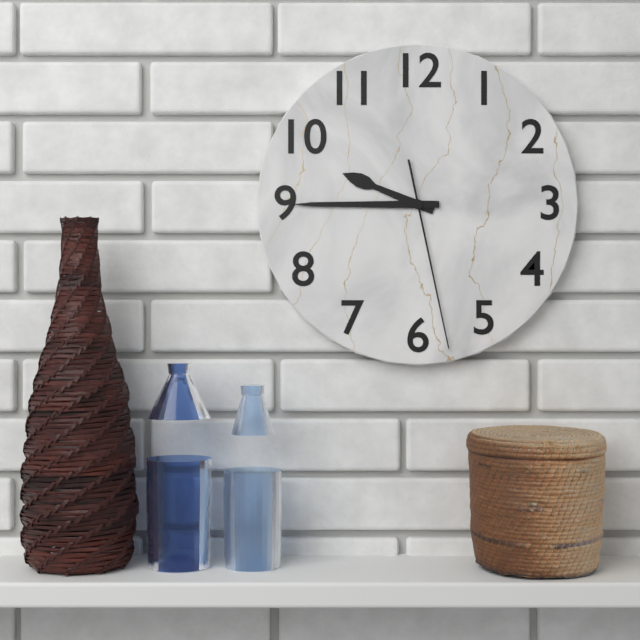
9h45m28s
